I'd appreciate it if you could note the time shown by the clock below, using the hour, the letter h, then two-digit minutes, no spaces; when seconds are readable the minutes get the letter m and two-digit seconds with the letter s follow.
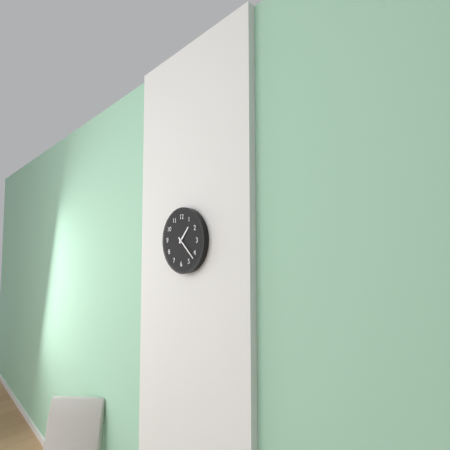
1h22
